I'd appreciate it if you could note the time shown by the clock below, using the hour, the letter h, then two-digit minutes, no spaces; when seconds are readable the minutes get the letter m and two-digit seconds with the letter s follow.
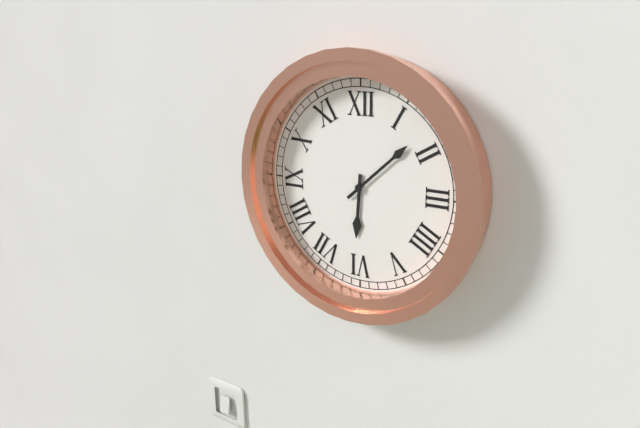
6h08
